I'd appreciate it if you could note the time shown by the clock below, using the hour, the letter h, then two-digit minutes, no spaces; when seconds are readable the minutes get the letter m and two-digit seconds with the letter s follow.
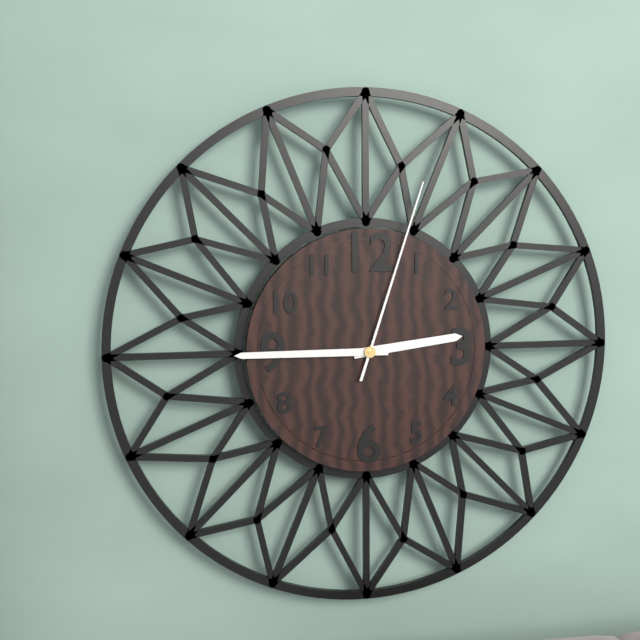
2h45m03s
